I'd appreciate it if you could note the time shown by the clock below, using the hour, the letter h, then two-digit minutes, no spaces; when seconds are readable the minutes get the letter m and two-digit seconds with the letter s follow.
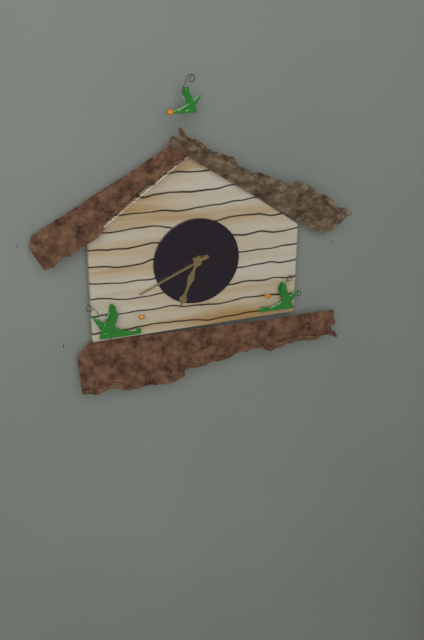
6h41
